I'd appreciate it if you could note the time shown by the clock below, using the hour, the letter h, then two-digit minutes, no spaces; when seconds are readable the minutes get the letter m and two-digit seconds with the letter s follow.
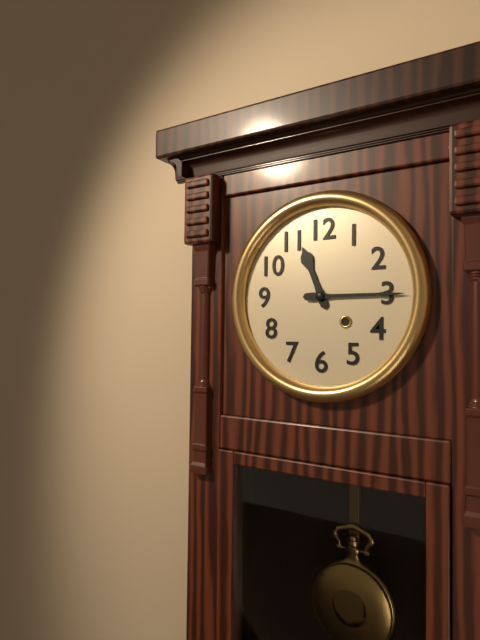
11h15
